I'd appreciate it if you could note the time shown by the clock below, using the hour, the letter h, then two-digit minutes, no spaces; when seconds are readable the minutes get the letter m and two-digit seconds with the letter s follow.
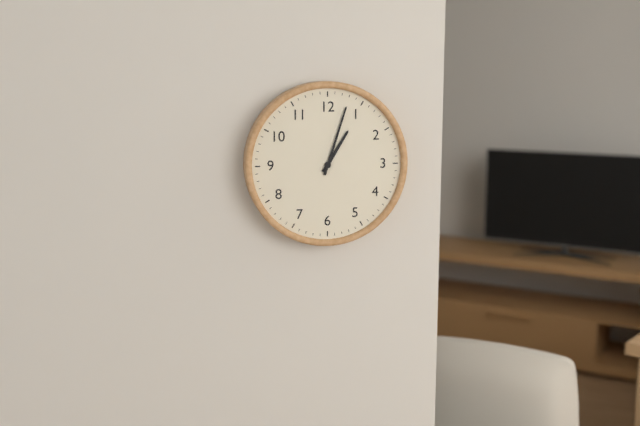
1h03
